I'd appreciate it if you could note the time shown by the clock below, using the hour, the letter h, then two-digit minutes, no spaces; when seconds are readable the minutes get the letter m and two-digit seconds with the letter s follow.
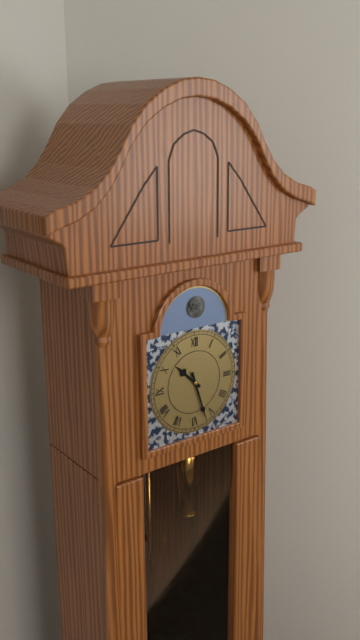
10h27
